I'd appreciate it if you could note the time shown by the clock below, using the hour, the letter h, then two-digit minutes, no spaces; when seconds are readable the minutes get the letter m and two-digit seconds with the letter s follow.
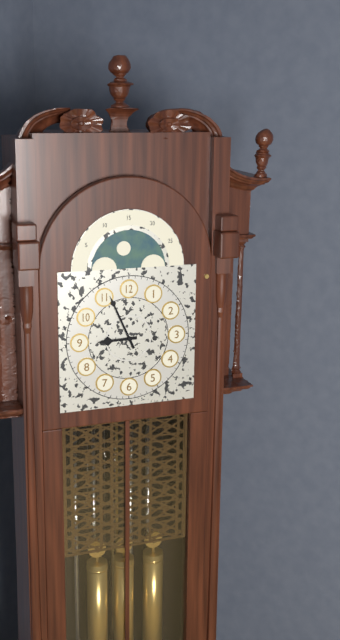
8h56
